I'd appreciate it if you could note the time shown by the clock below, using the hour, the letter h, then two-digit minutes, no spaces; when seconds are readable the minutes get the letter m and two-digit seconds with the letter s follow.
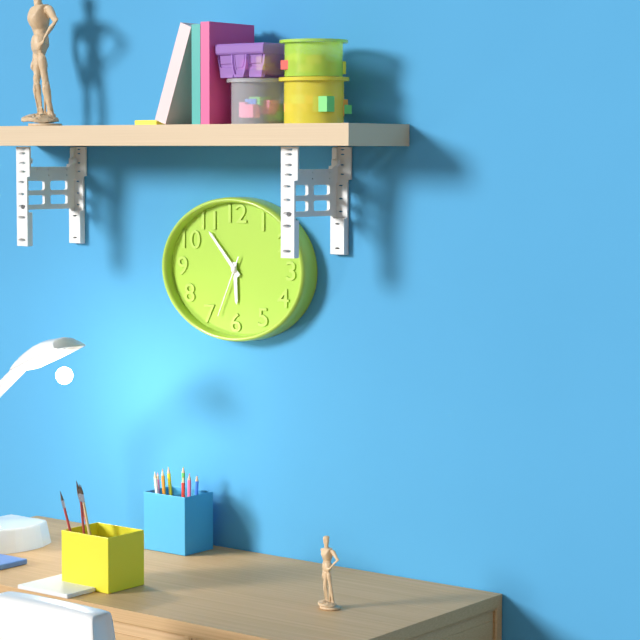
5h53m34s
